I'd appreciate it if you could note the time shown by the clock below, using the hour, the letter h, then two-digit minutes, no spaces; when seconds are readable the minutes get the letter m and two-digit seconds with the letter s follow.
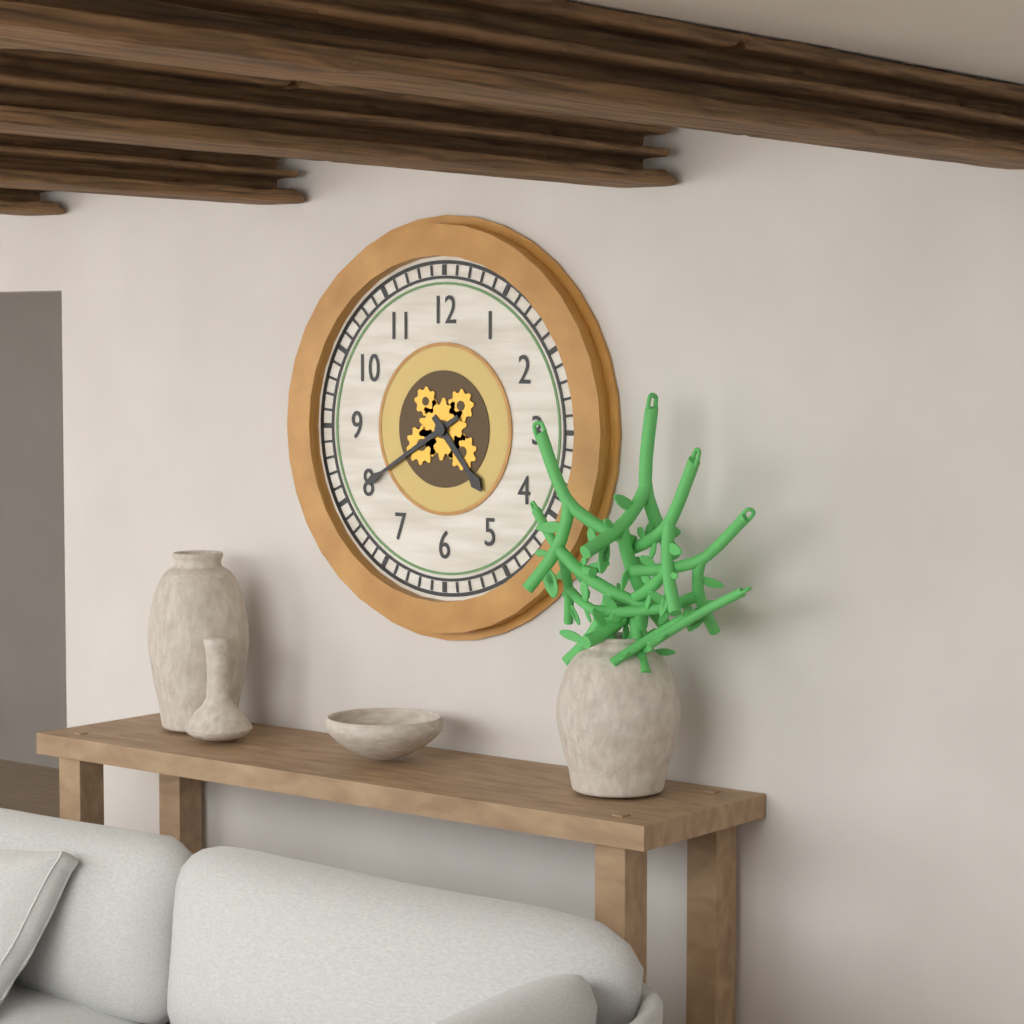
4h40
